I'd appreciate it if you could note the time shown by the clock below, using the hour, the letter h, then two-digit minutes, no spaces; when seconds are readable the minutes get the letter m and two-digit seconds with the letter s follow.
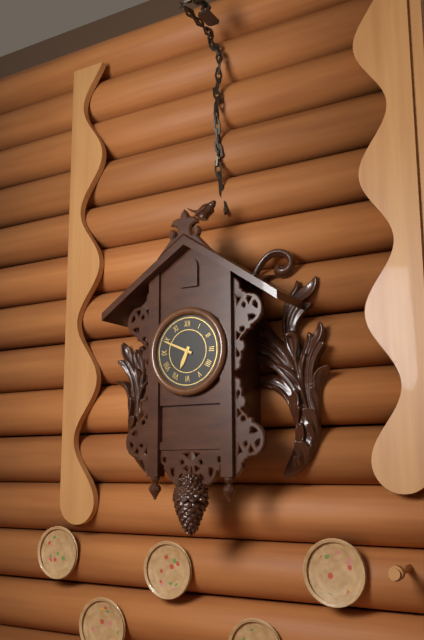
6h49
